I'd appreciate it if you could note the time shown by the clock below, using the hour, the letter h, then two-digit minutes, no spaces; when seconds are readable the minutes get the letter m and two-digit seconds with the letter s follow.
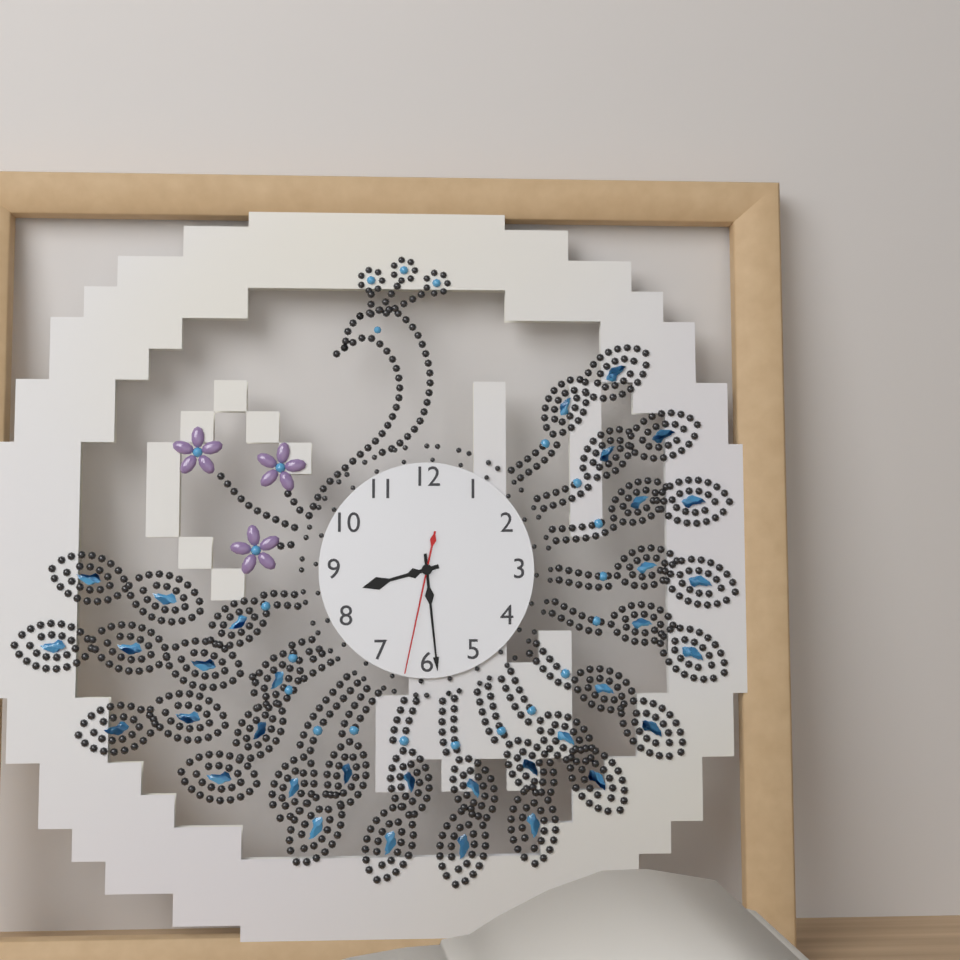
8h29m32s
